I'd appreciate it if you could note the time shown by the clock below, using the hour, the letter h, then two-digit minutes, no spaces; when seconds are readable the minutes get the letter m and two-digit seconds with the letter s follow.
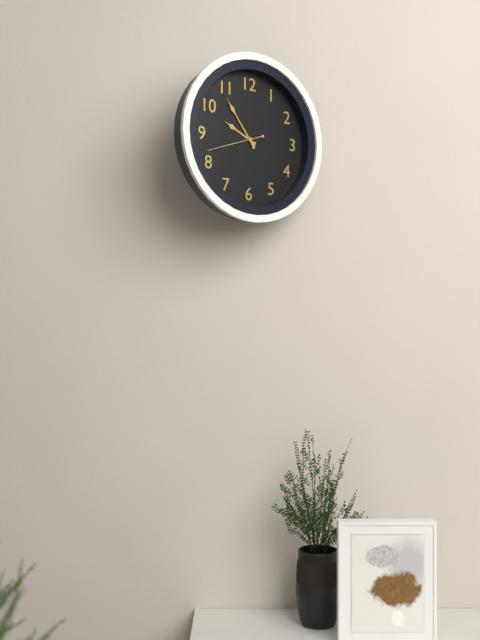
9h54m42s
